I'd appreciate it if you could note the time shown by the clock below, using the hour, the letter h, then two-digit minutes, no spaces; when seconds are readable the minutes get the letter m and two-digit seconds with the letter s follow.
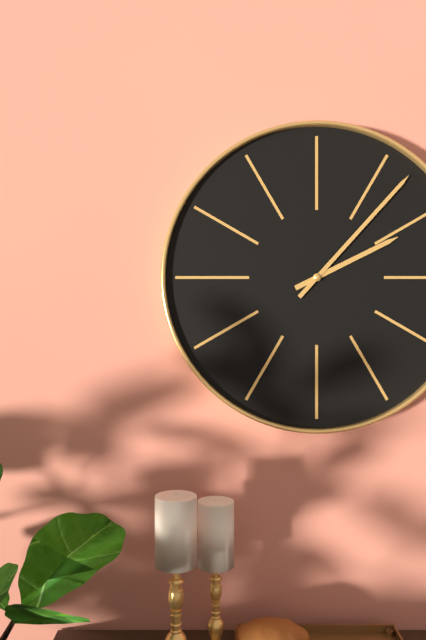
2h07
